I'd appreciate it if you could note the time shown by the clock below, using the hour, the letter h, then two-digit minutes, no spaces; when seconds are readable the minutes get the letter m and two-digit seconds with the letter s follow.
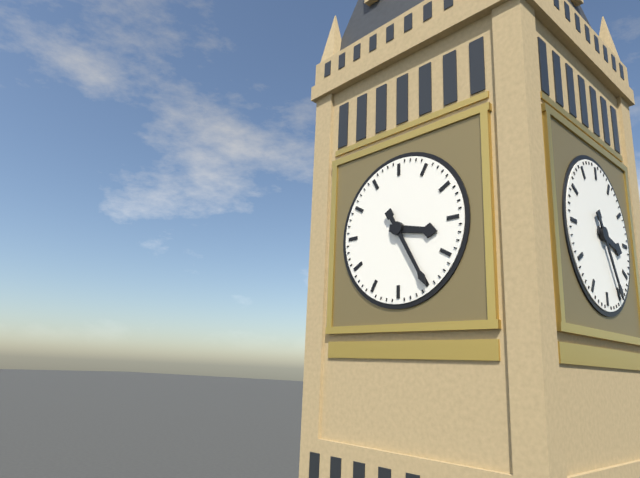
3h25
